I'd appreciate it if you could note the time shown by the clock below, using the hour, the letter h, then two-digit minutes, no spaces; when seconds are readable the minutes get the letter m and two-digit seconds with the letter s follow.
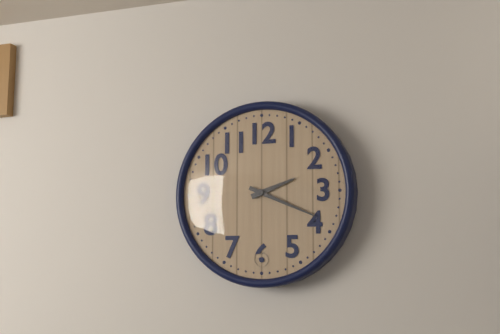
2h19
